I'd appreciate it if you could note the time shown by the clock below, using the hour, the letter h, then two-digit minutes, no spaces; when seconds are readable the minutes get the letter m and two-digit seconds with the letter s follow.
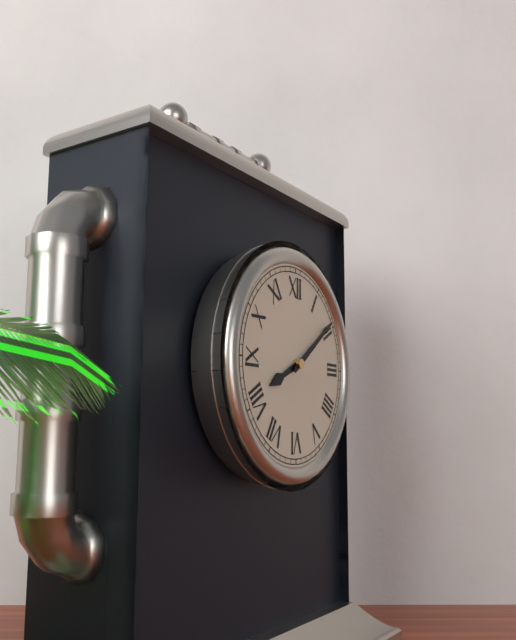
8h09
